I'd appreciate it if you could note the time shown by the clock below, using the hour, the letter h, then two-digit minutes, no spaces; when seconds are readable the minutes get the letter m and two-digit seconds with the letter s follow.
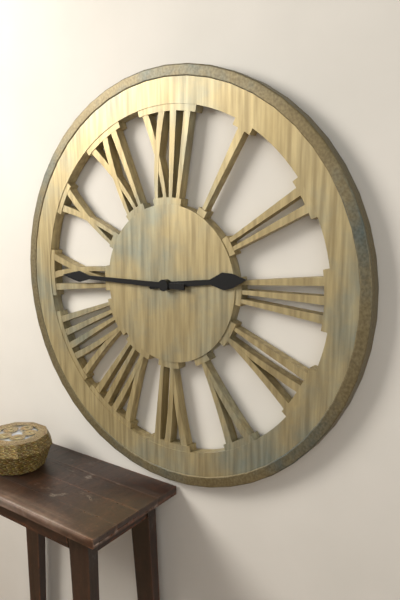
2h45
